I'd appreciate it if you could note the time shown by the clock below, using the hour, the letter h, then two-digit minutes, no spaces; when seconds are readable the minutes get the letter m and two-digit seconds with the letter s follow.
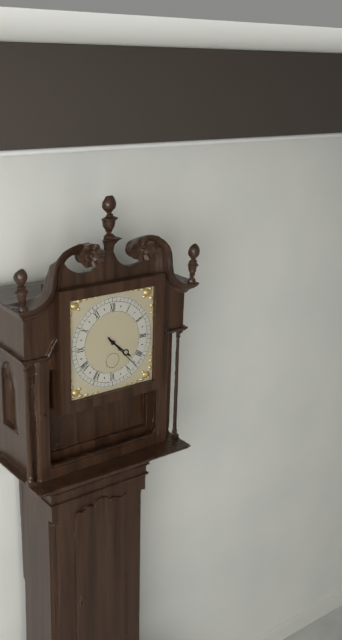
4h23
